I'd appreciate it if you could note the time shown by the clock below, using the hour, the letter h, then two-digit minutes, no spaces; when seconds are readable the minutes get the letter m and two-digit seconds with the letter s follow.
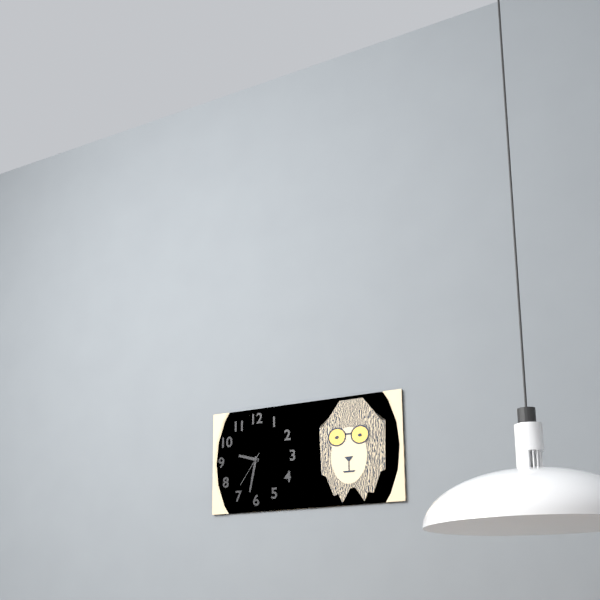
9h32
